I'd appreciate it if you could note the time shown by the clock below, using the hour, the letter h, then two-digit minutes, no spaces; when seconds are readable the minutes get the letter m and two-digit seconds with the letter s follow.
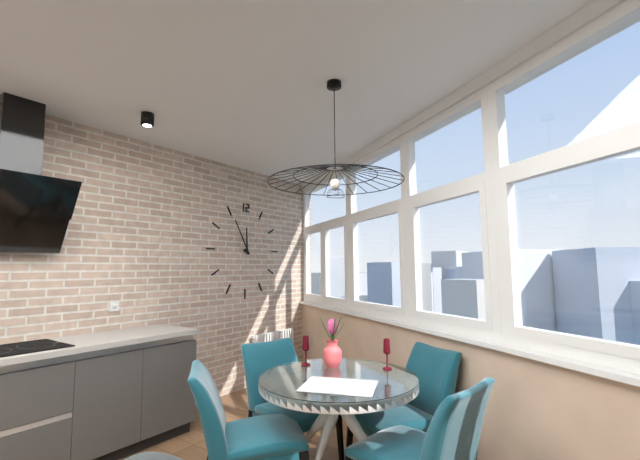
11h55
